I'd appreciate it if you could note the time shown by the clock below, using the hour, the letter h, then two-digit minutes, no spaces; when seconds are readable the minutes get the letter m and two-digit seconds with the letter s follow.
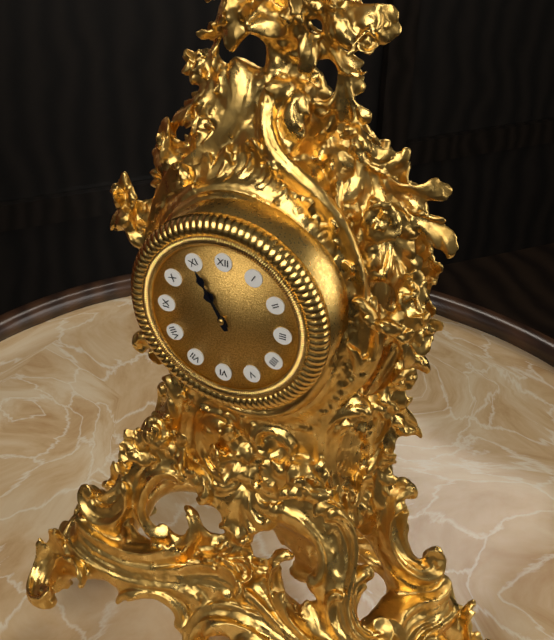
10h55
